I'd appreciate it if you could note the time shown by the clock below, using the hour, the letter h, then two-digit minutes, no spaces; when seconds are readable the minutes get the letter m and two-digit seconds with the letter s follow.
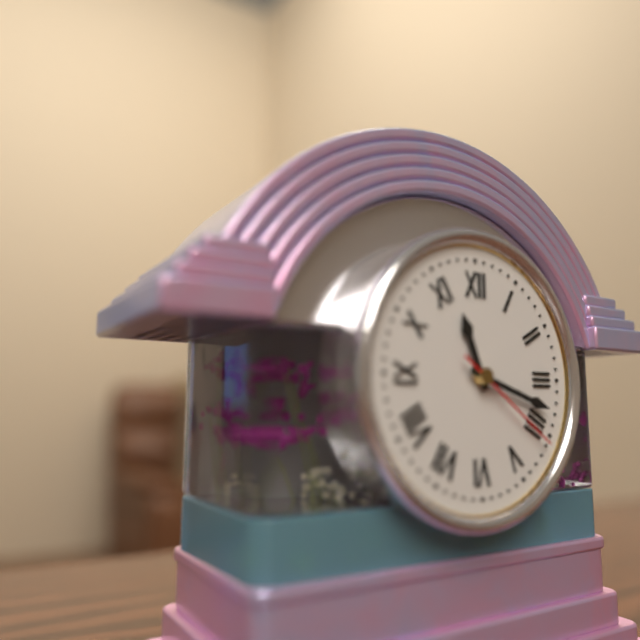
11h18m21s
